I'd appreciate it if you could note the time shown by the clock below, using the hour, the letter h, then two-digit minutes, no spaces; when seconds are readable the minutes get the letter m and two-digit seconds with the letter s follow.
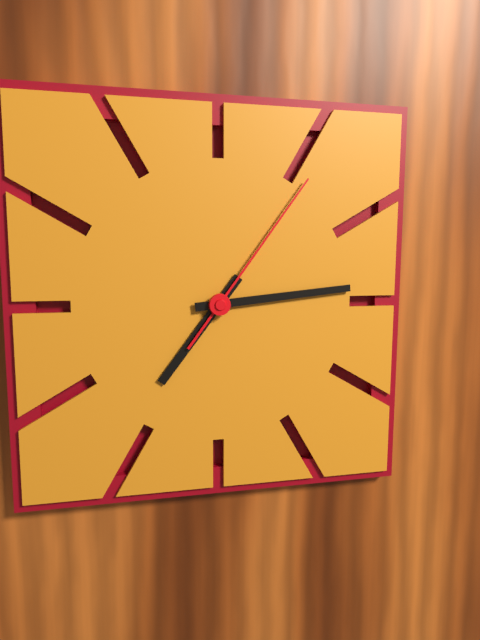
7h14m06s
